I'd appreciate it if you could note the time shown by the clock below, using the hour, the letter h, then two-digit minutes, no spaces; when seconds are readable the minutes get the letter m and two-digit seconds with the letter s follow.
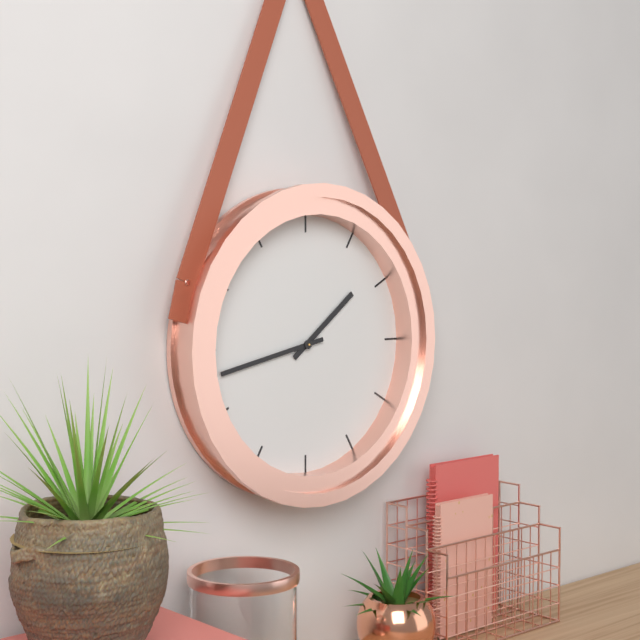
1h43
